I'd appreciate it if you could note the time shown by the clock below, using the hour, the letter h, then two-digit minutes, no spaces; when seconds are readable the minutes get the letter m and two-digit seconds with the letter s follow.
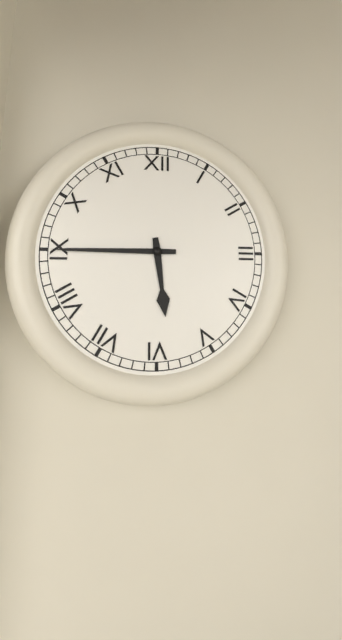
5h45
